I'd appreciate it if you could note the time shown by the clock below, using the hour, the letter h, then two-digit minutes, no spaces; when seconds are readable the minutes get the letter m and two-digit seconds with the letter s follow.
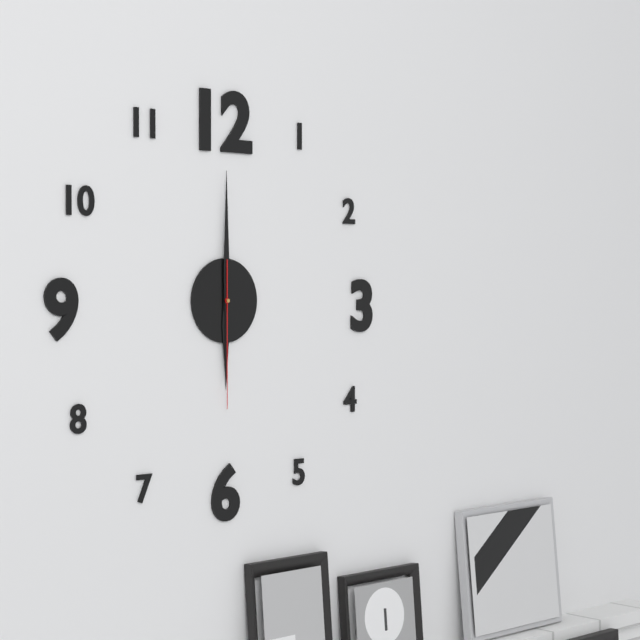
6h00m30s
